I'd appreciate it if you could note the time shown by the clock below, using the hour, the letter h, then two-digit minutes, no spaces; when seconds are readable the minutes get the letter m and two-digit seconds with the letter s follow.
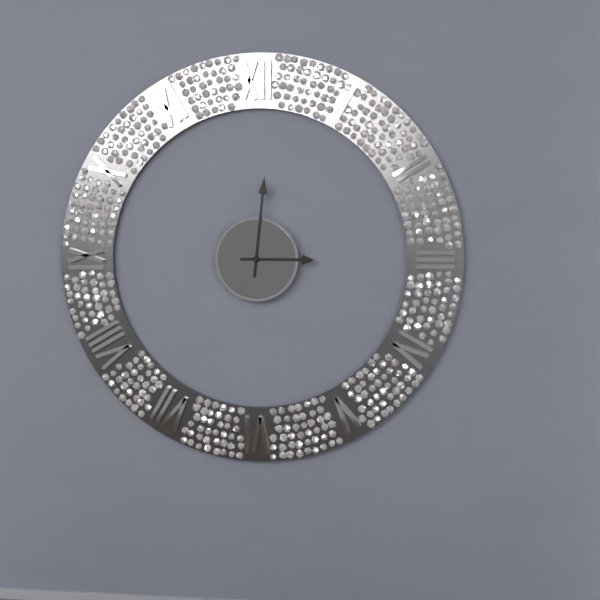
3h01
